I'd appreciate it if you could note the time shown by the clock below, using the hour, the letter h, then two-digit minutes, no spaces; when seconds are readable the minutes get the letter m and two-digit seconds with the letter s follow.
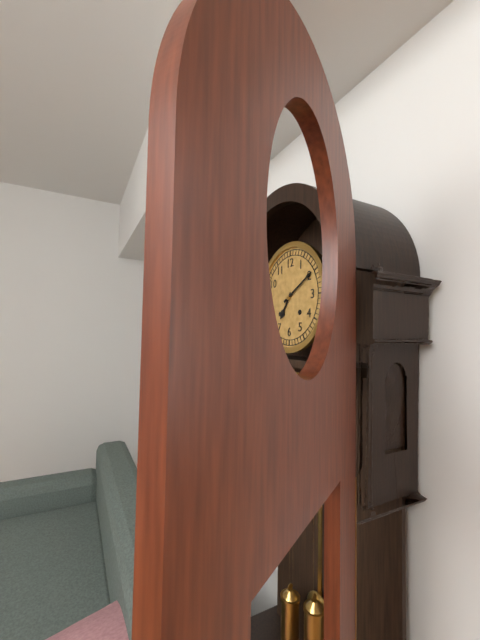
7h10
